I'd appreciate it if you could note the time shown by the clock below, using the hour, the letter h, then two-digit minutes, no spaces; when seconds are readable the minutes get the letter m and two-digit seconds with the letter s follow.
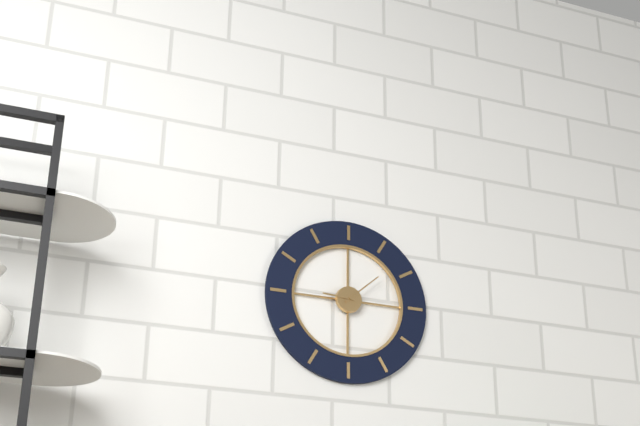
9h08
